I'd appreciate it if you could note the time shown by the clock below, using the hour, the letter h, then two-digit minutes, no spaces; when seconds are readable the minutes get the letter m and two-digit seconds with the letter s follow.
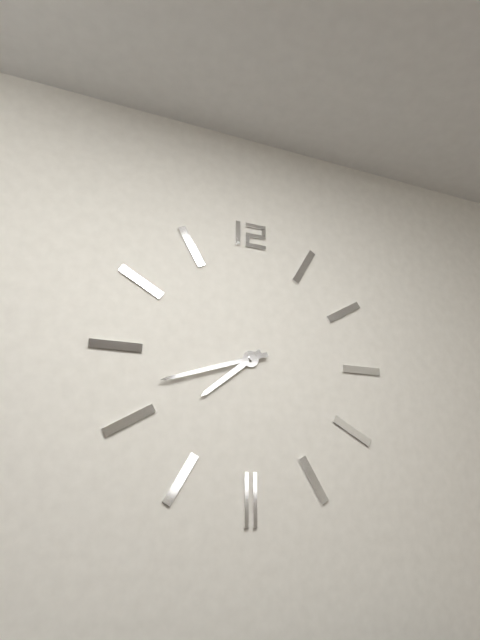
7h42
